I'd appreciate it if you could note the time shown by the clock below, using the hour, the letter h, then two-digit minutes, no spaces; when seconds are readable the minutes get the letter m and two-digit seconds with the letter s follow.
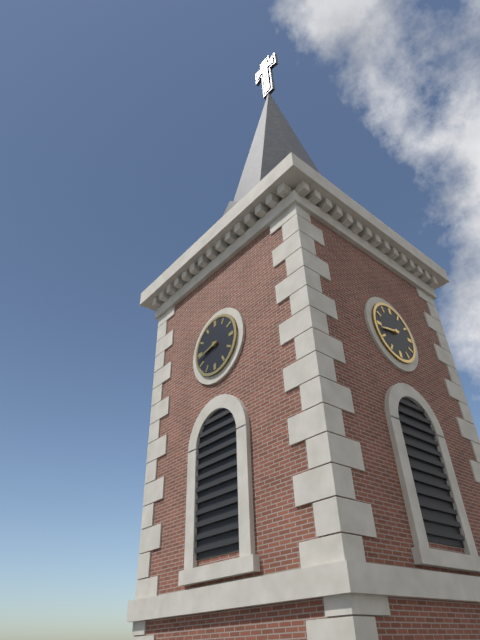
8h43
